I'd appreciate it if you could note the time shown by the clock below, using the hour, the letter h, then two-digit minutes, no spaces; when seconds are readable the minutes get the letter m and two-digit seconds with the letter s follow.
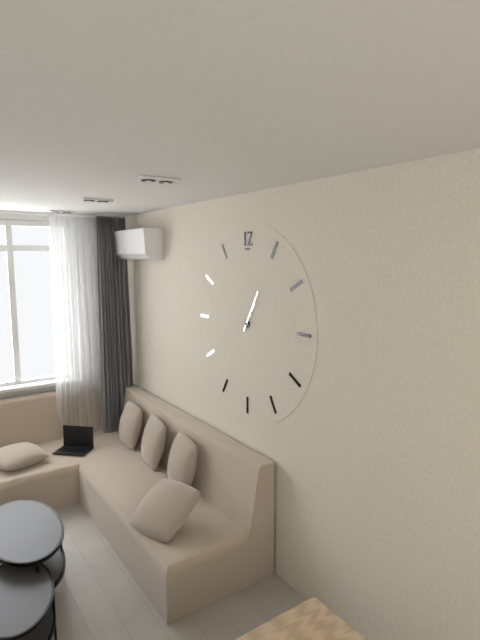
1h05
